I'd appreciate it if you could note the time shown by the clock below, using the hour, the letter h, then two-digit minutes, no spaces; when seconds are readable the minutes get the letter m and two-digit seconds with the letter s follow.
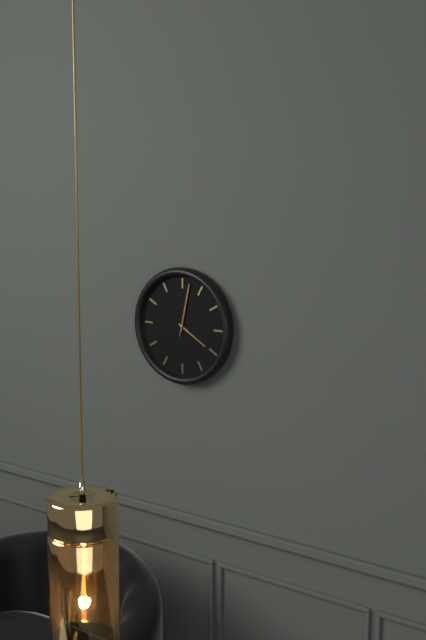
4h02m02s
